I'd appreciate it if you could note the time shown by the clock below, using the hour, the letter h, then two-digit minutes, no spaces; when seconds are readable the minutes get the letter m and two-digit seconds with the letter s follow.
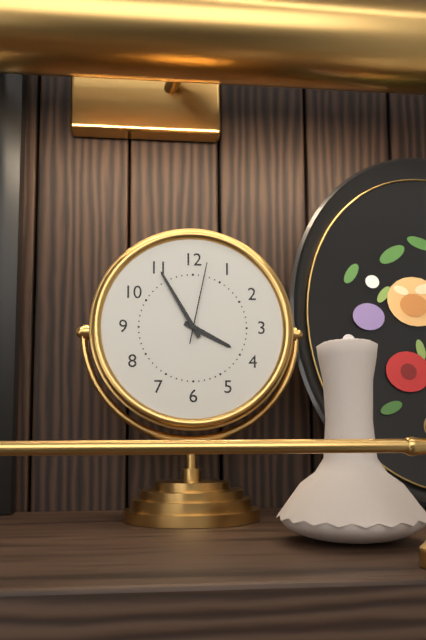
3h55m02s
